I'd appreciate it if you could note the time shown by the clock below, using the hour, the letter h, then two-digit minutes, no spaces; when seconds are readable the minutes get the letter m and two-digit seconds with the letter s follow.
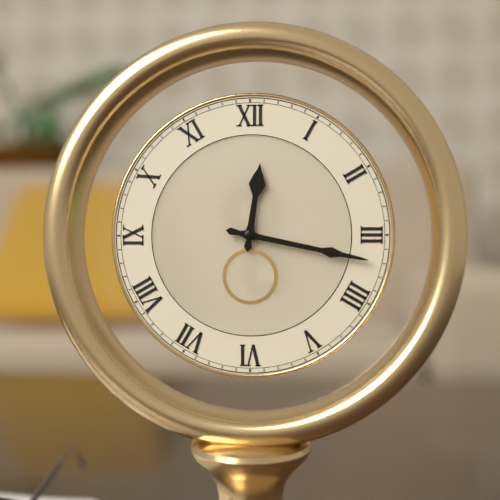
12h17
